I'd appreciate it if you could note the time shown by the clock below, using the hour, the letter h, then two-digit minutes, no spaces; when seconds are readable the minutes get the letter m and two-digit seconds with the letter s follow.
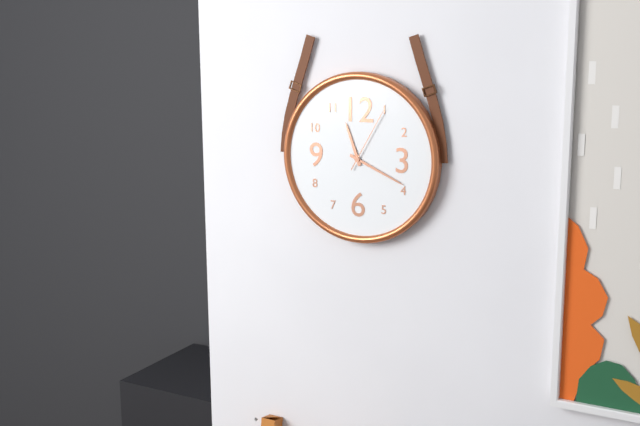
11h19m05s
